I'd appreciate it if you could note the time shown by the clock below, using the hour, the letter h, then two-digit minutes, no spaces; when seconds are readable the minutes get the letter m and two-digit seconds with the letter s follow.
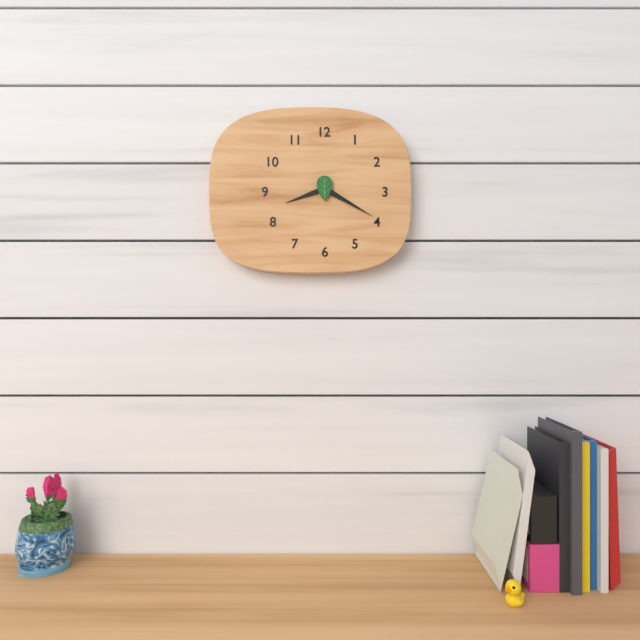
8h20
